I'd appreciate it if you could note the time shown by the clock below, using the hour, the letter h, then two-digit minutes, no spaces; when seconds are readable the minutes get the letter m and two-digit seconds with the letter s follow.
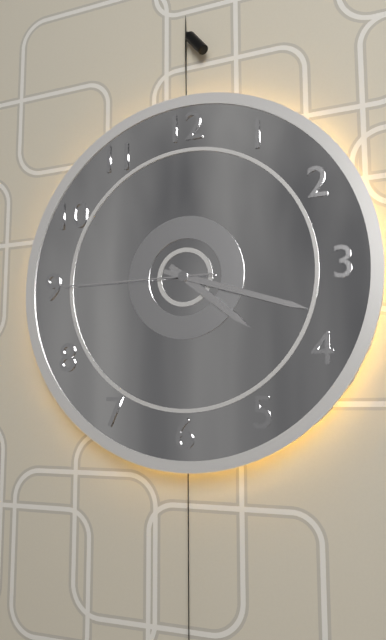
4h18m45s
